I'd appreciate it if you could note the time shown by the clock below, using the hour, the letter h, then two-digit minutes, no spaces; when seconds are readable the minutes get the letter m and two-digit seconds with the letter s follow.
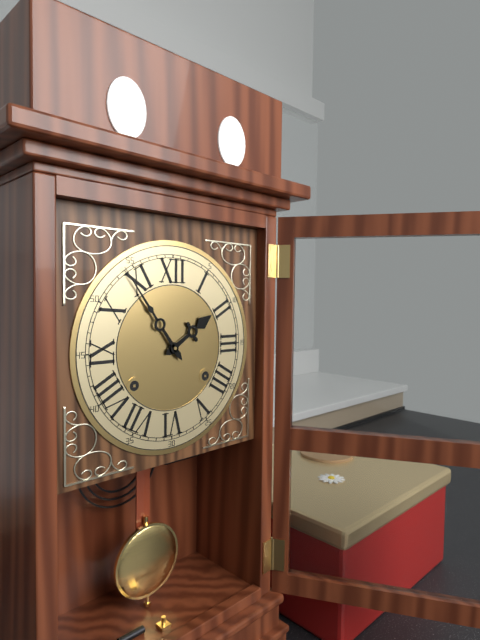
1h54
